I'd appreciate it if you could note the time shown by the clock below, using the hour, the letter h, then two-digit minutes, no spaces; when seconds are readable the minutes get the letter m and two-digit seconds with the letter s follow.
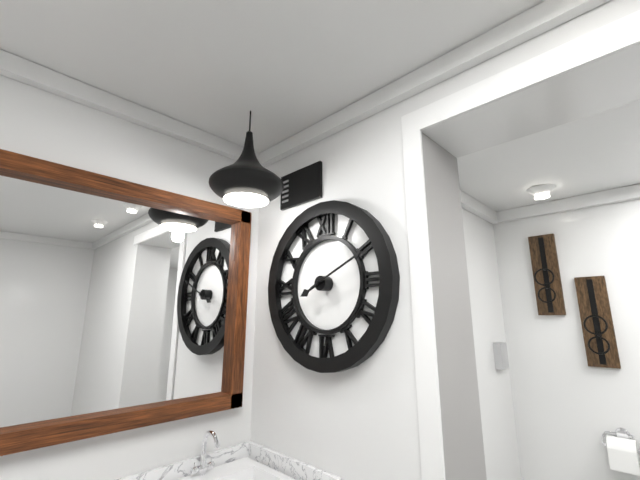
8h11
